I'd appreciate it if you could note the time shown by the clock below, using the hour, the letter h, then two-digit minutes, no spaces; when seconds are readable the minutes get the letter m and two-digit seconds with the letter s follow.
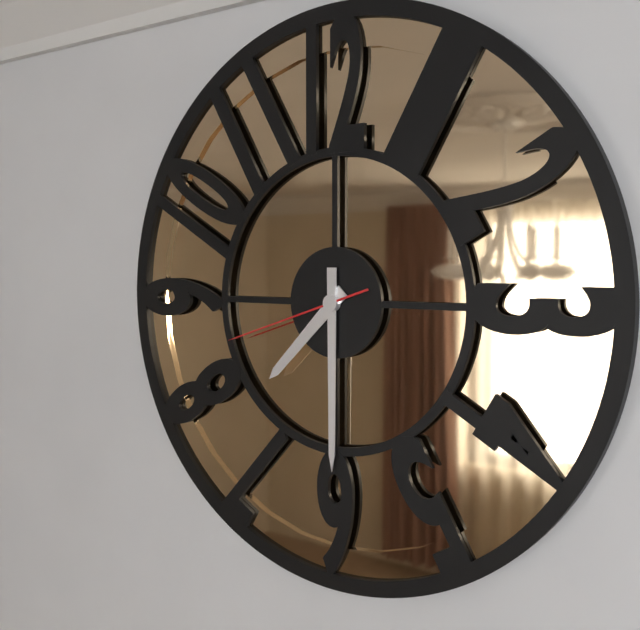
7h30m42s
